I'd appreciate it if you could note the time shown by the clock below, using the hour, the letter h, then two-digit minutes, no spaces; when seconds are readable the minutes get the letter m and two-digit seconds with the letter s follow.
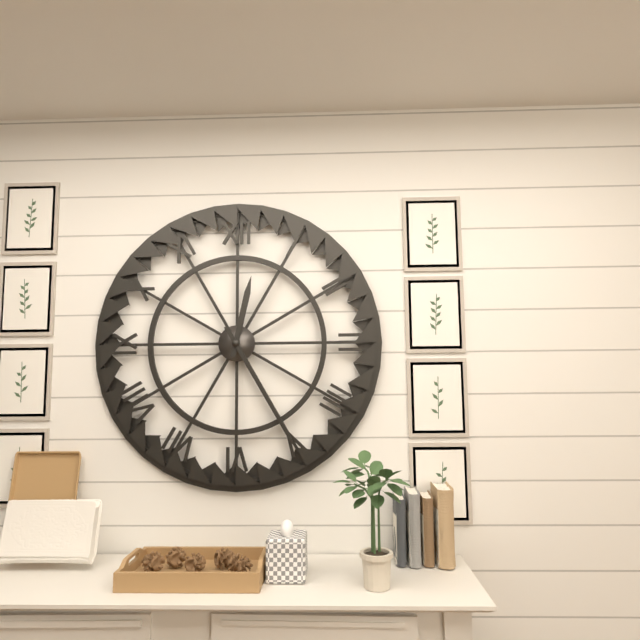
12h25
